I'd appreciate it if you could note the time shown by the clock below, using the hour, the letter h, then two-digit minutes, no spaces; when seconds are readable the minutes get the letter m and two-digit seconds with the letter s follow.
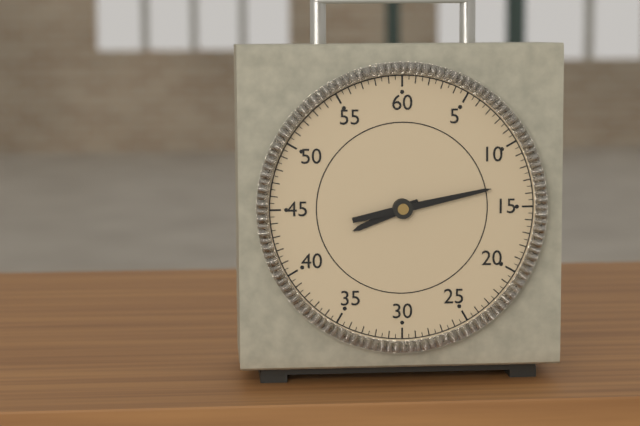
8h13
